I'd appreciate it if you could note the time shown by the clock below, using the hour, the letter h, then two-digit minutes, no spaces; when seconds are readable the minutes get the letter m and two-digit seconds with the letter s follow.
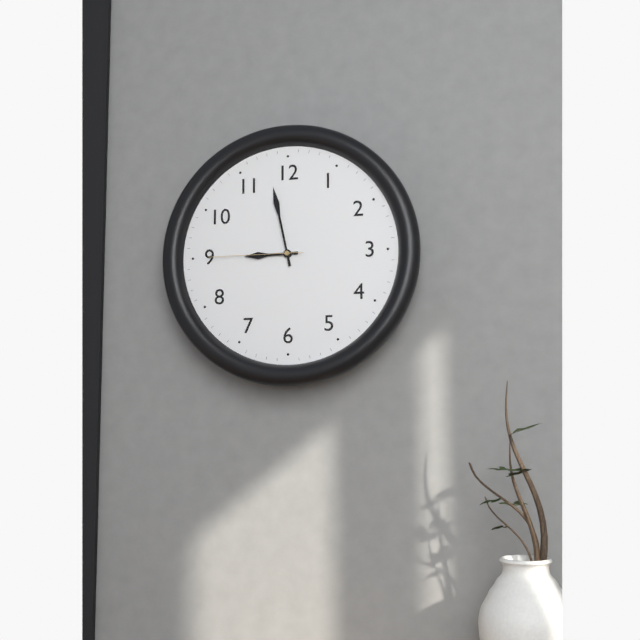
8h58m45s
